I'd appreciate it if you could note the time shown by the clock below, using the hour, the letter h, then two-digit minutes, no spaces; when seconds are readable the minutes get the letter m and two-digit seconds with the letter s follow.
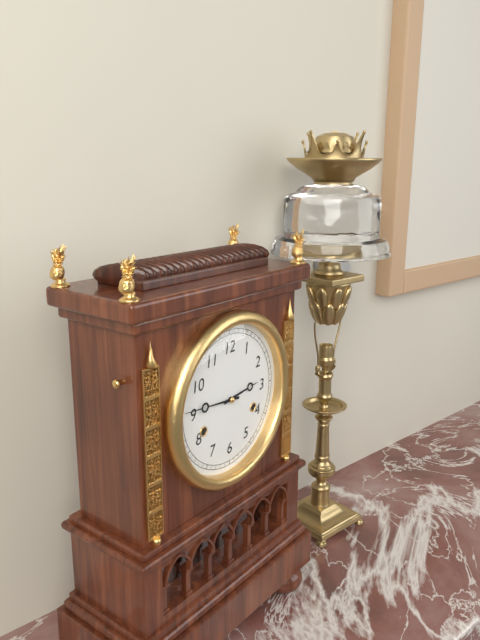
2h46
